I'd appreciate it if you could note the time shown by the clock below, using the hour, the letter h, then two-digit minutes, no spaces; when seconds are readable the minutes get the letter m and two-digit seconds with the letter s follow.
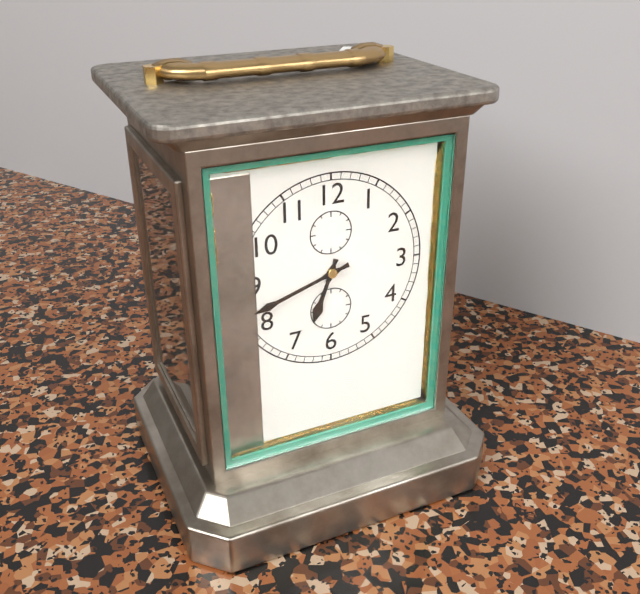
6h42
